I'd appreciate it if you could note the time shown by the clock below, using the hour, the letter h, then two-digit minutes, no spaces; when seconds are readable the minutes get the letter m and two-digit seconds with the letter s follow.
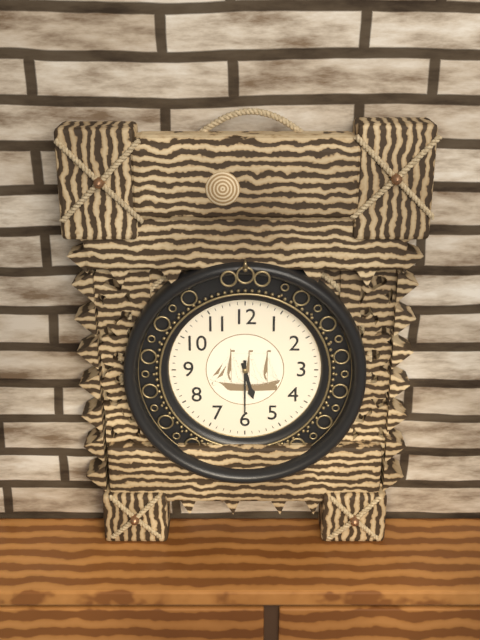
5h30
